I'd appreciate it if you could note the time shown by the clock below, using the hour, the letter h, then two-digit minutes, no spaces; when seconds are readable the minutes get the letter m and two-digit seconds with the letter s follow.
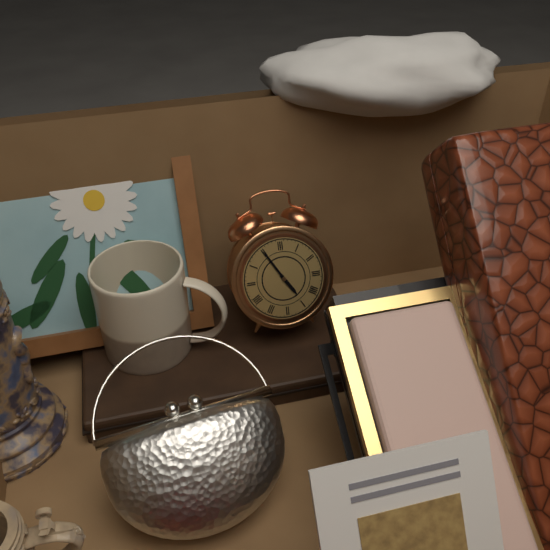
4h55
